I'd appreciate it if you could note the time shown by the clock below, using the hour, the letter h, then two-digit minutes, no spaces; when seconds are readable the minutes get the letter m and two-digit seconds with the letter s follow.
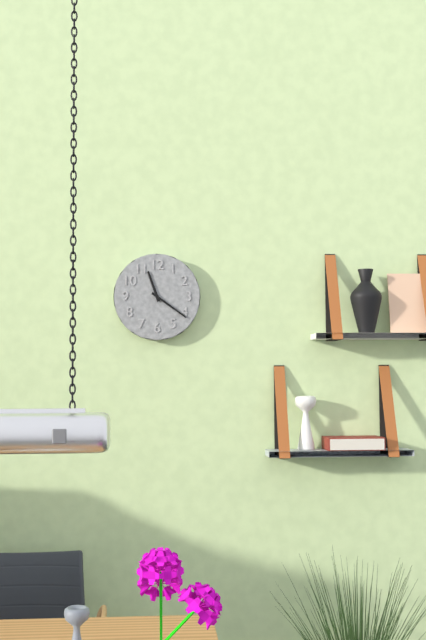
11h21
